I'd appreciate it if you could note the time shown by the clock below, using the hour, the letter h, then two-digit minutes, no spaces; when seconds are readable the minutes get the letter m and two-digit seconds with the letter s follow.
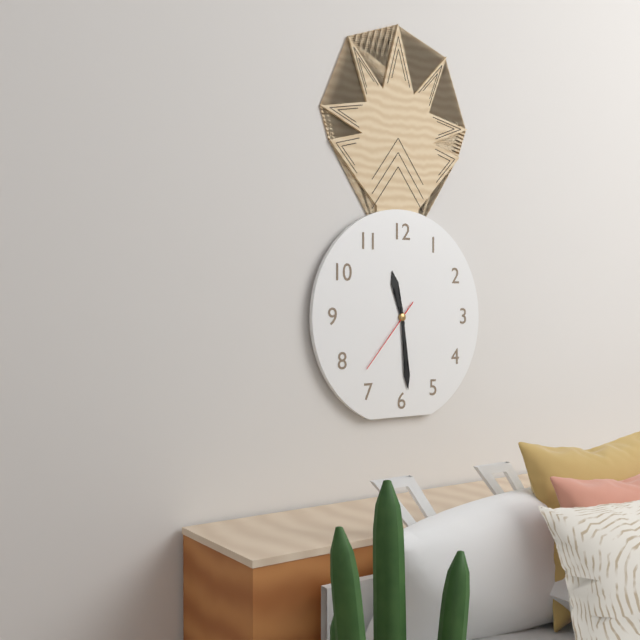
11h29m37s
